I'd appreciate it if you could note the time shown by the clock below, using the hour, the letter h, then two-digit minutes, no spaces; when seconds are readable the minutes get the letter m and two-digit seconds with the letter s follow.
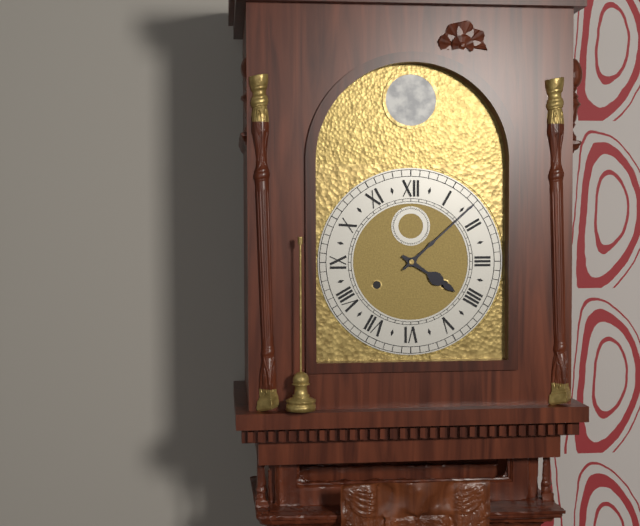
4h08
